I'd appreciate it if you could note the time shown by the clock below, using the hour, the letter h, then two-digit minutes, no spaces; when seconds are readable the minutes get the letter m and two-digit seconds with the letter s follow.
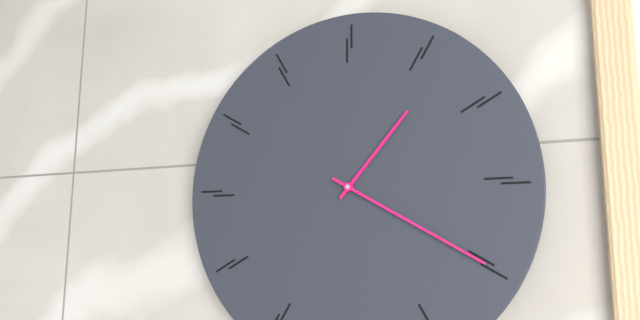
1h20
